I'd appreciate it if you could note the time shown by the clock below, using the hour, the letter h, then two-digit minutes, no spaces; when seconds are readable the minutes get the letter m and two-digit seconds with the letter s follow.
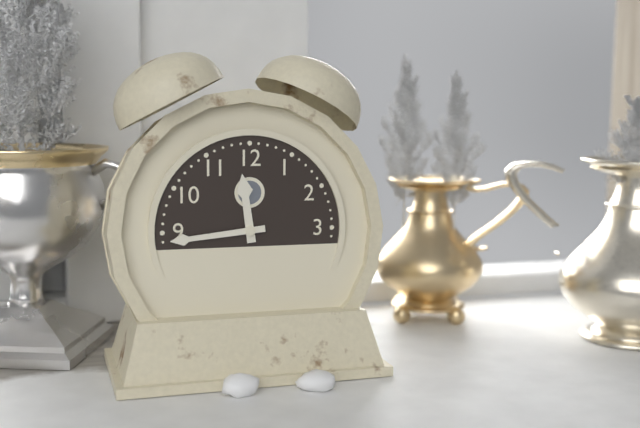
11h44
